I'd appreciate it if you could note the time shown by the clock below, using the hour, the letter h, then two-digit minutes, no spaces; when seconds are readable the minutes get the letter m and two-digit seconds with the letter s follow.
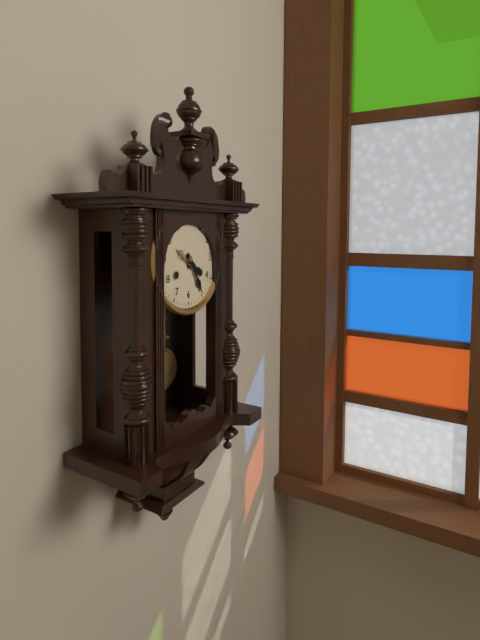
4h25
